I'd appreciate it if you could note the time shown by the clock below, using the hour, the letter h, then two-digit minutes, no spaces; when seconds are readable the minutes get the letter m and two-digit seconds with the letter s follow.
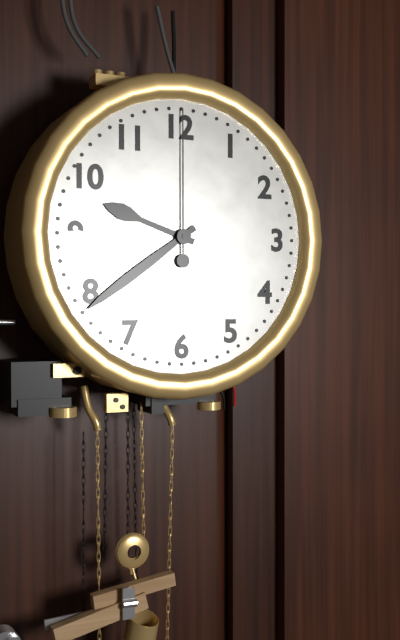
9h39m00s
